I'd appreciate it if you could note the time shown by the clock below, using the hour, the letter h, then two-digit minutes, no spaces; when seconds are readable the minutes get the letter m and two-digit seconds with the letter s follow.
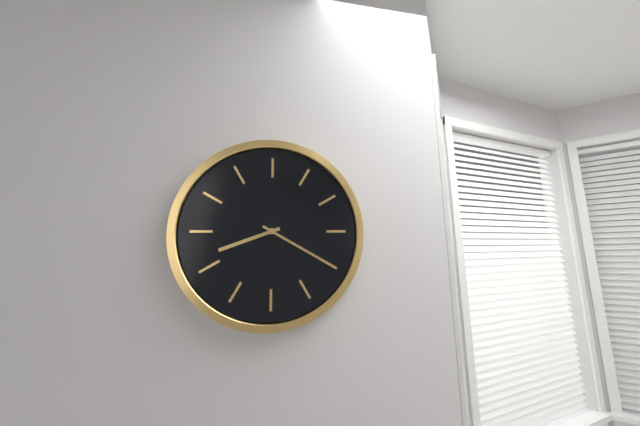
8h20
